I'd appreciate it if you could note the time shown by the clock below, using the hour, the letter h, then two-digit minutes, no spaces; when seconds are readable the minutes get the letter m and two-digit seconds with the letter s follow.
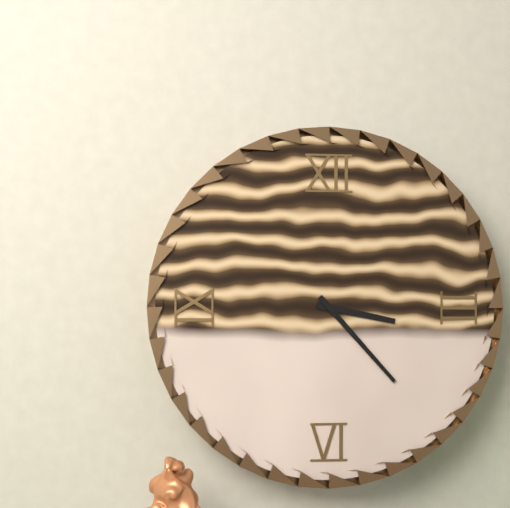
3h23
